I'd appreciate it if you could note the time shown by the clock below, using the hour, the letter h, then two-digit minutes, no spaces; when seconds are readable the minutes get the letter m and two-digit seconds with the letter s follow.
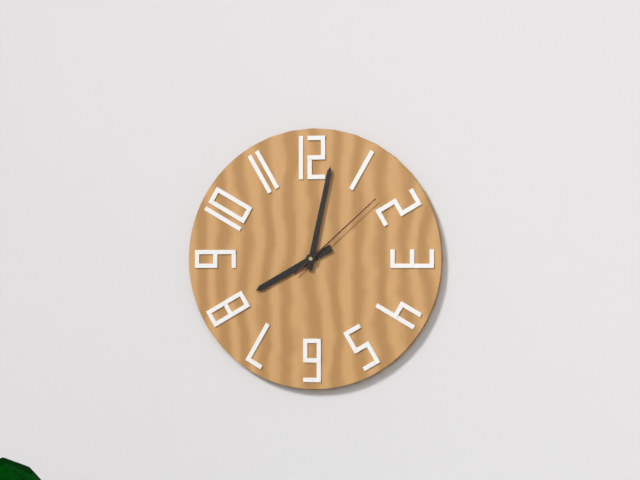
8h02m08s
